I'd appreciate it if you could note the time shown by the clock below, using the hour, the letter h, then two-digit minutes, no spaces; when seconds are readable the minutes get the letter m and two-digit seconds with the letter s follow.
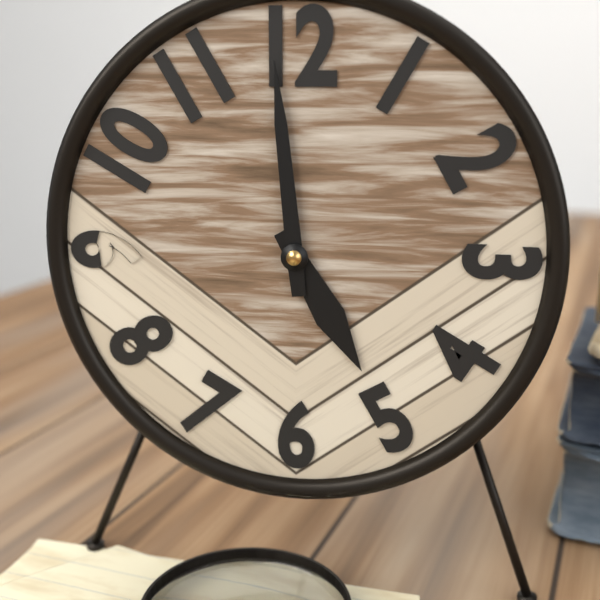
4h59
